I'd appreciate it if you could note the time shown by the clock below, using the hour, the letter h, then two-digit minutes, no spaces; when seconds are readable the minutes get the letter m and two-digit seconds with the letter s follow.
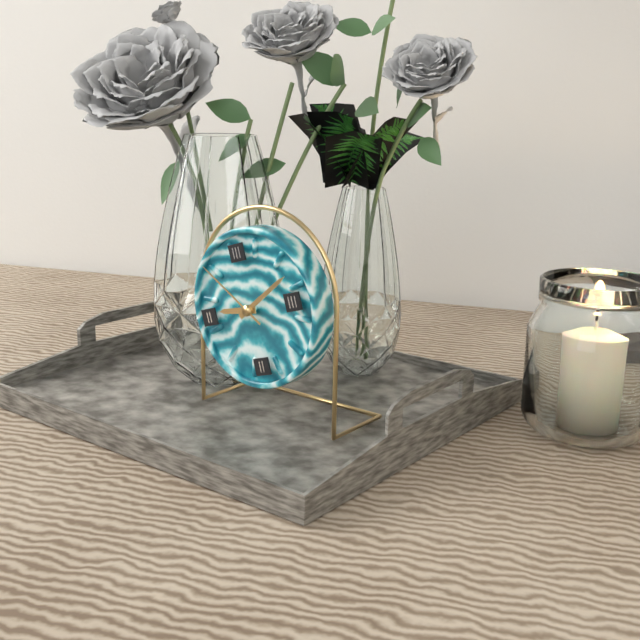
9h11m53s
